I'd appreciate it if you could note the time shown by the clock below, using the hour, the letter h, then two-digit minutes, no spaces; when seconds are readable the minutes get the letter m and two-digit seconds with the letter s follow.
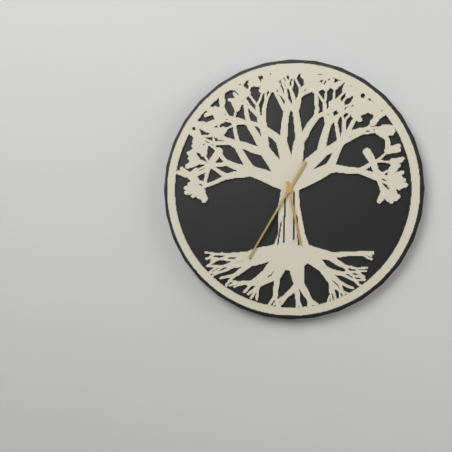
5h35
